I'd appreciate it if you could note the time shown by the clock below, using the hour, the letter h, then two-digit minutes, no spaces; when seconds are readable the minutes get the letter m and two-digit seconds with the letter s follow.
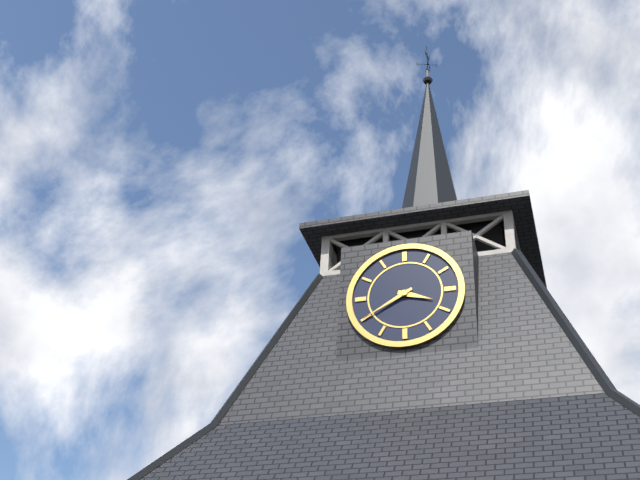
3h40
